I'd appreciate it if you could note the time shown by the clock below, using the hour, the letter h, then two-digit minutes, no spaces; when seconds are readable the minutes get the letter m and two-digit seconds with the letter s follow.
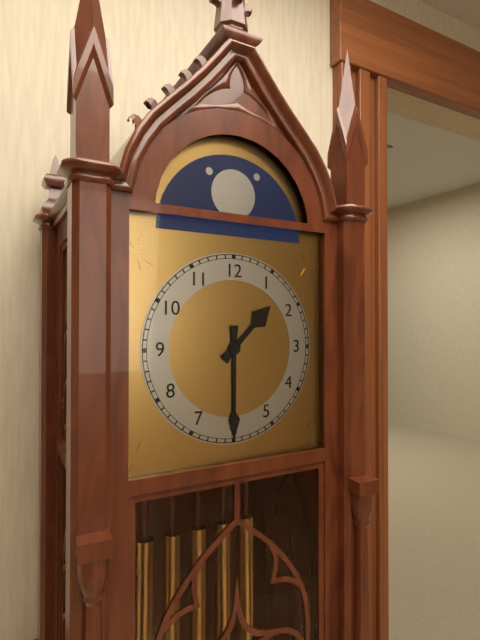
1h30
